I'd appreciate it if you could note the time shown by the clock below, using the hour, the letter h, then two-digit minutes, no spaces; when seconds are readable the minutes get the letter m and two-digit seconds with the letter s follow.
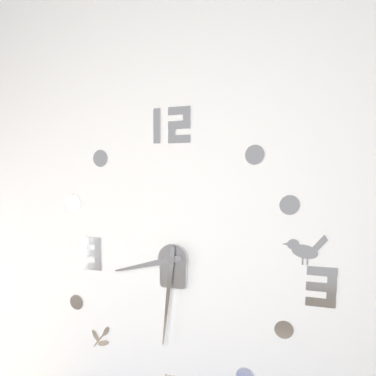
8h31
